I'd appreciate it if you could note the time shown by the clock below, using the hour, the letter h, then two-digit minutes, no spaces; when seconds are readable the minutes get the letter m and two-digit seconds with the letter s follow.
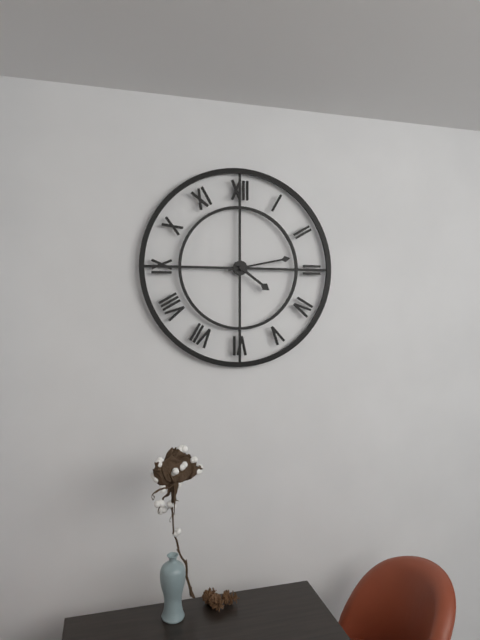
4h13
